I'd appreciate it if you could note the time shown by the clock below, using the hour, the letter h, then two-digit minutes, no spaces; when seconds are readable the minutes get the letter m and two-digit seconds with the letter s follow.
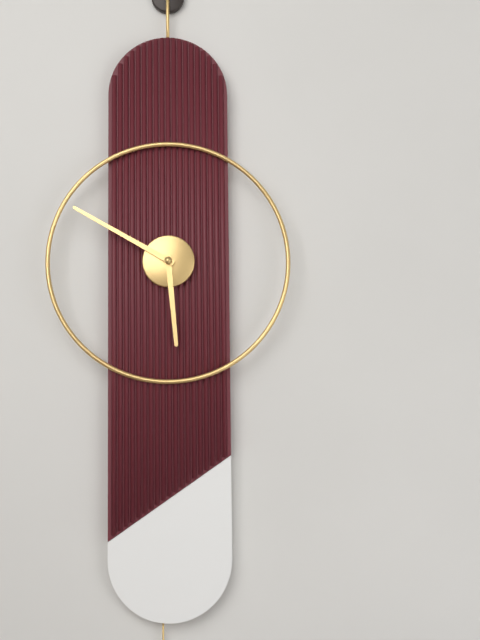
5h50
